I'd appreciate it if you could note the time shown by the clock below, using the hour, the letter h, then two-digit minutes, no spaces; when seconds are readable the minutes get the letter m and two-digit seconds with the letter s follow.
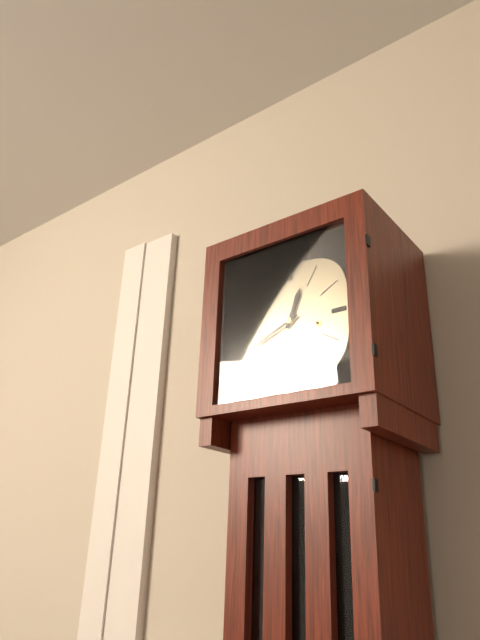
12h41
